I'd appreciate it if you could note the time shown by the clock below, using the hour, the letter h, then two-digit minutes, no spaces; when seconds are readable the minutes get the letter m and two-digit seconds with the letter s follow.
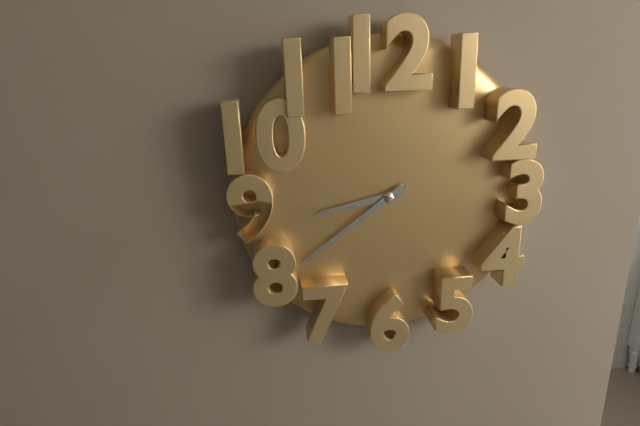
8h39
